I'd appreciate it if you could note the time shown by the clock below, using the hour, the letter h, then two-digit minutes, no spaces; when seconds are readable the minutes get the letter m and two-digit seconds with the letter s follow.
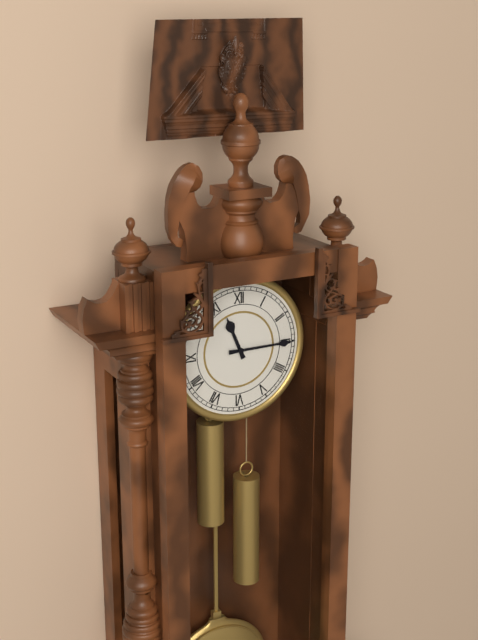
11h15
